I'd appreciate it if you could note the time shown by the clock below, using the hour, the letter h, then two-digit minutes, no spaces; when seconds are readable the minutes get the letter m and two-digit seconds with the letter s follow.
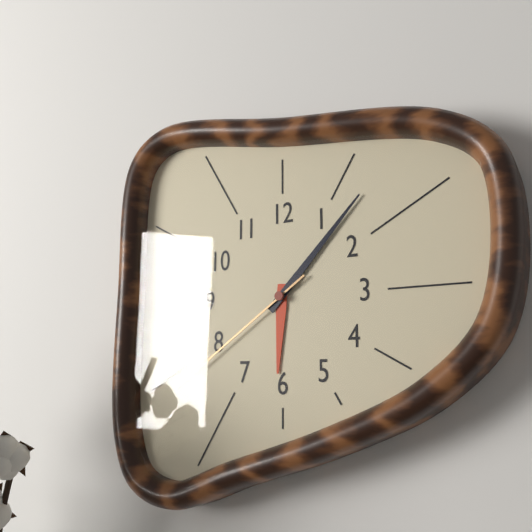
6h07m39s
